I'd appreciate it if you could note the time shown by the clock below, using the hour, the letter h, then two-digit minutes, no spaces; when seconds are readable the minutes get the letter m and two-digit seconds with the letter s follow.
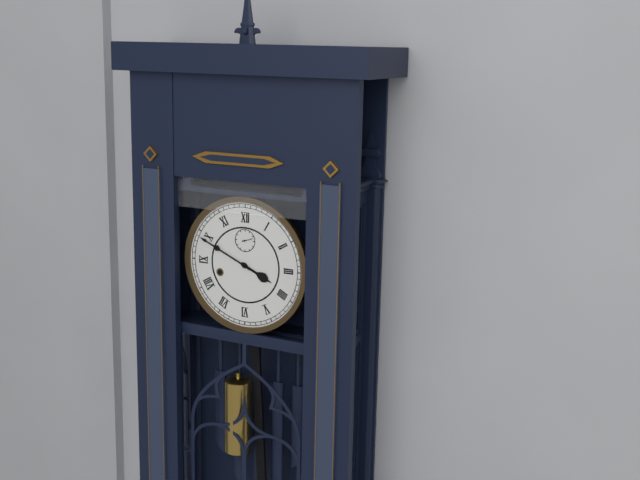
3h49
